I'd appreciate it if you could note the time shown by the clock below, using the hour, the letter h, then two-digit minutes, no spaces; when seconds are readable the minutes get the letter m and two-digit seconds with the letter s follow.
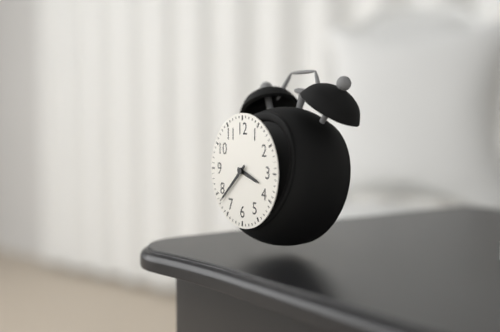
3h38
